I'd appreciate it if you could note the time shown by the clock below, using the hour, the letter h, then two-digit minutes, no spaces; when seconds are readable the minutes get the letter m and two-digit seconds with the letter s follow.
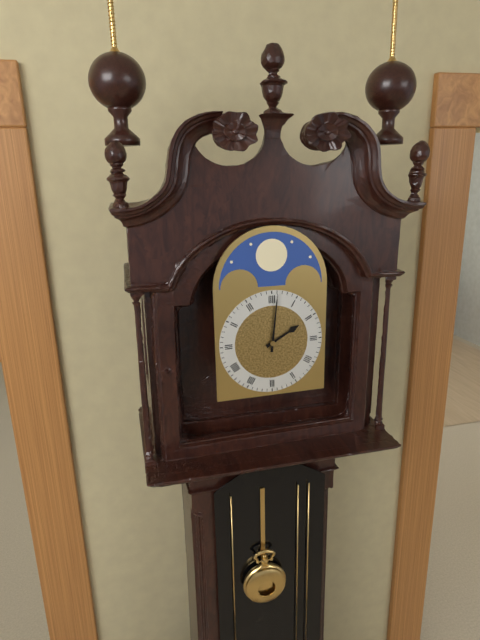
2h01
